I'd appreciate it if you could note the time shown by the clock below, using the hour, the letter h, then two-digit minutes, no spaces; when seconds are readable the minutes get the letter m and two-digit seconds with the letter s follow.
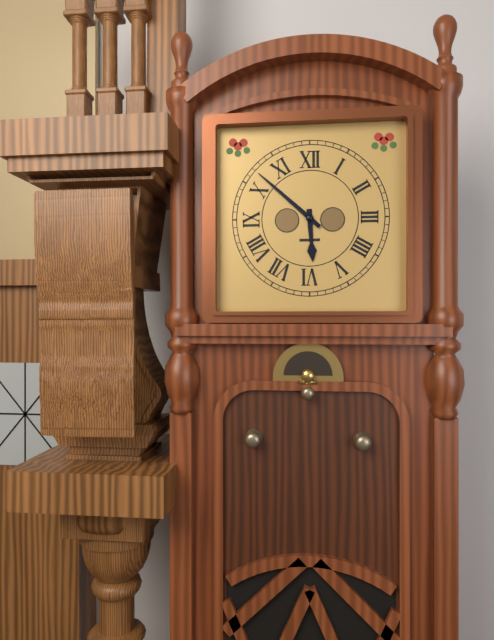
5h52
